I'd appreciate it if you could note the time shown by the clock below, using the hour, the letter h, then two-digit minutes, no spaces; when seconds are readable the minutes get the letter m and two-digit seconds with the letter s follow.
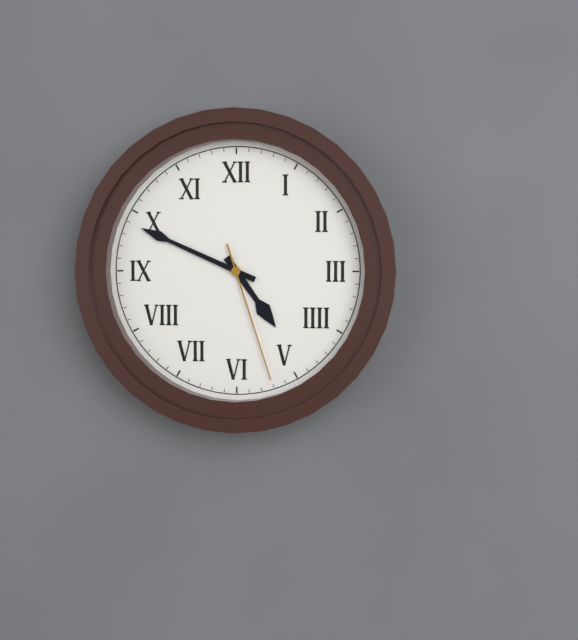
4h49m27s
